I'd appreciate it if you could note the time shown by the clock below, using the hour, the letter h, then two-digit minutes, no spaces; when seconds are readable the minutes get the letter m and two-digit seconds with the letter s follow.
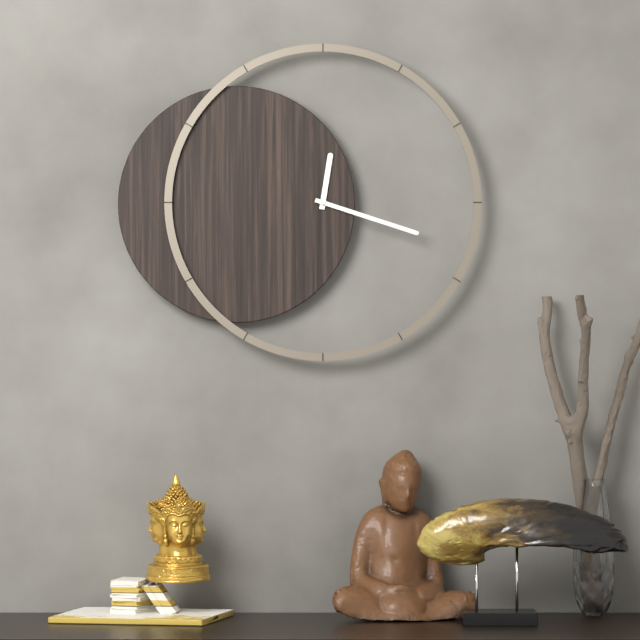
12h18
